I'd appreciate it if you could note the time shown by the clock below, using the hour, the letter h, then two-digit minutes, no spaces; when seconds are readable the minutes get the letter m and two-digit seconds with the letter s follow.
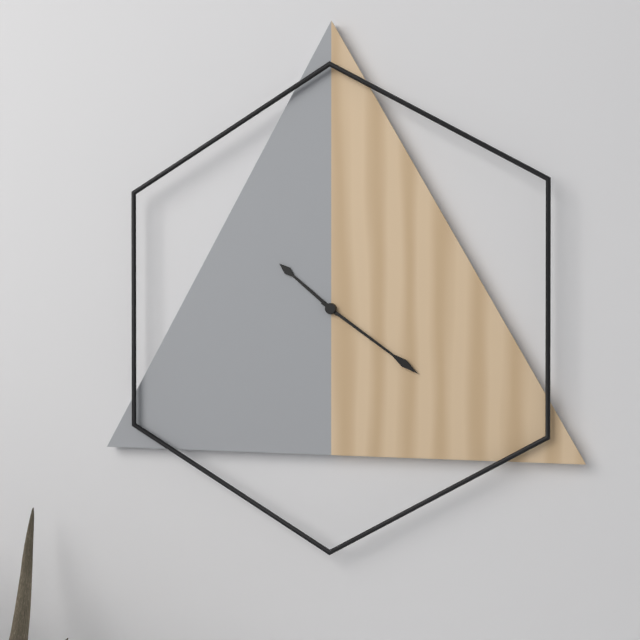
10h21
